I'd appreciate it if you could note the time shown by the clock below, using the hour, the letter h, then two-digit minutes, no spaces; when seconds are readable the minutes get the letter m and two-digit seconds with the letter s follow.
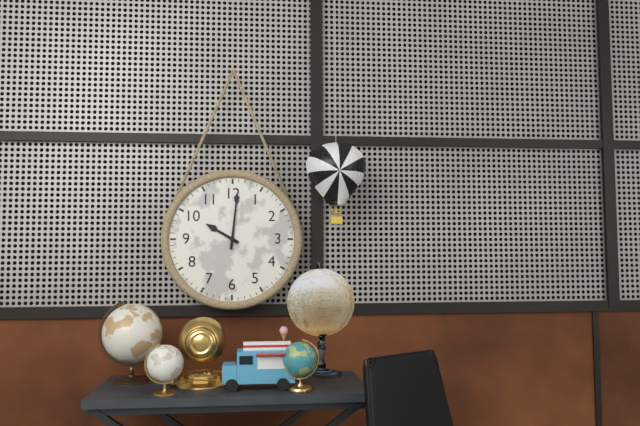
10h01
